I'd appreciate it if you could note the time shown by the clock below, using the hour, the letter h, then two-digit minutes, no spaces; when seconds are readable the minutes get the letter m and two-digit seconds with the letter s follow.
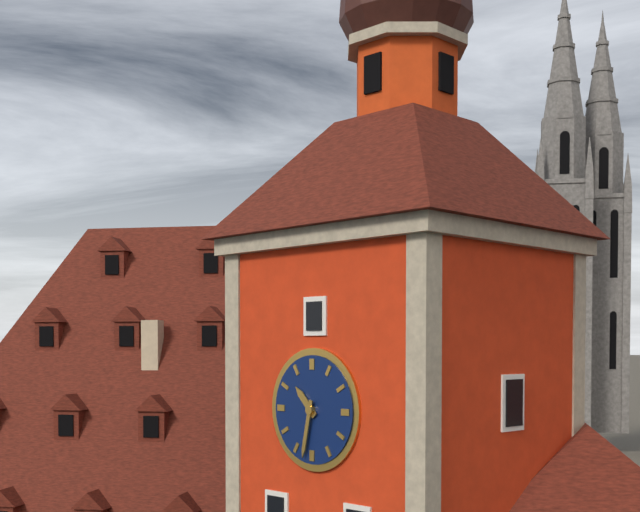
10h32
